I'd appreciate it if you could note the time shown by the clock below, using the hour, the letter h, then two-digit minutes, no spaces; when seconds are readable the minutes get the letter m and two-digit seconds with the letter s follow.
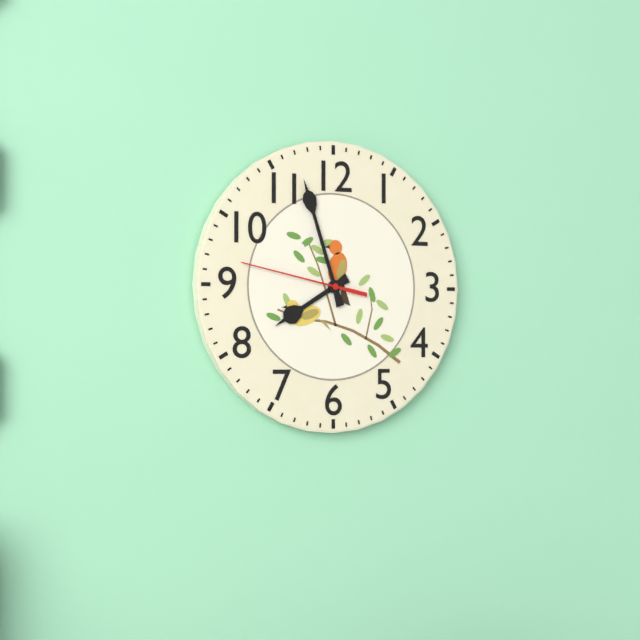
7h57m47s
